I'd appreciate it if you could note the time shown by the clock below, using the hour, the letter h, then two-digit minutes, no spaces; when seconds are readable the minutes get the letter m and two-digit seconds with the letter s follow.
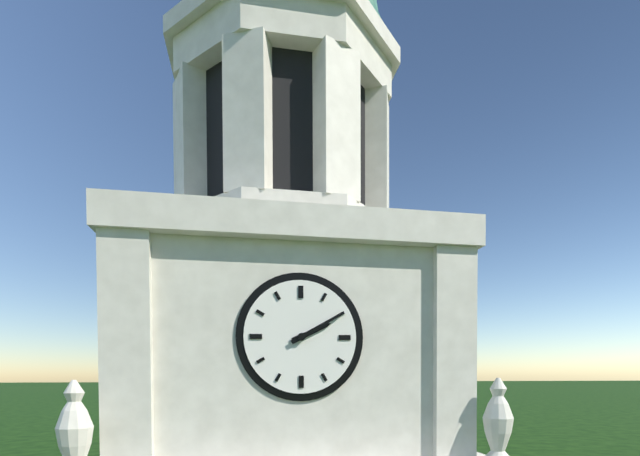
2h10
